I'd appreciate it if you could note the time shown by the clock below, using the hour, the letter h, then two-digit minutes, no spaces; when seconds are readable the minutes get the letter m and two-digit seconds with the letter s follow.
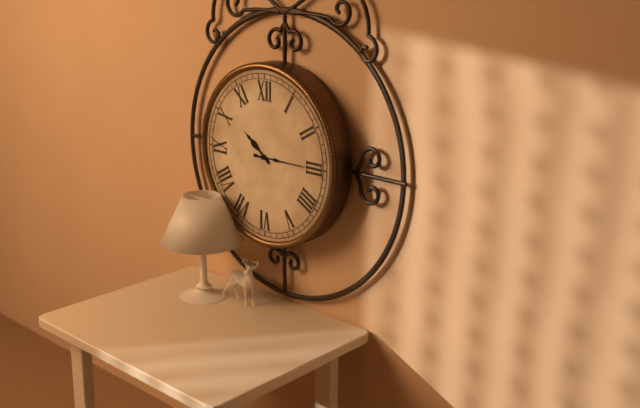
10h15
